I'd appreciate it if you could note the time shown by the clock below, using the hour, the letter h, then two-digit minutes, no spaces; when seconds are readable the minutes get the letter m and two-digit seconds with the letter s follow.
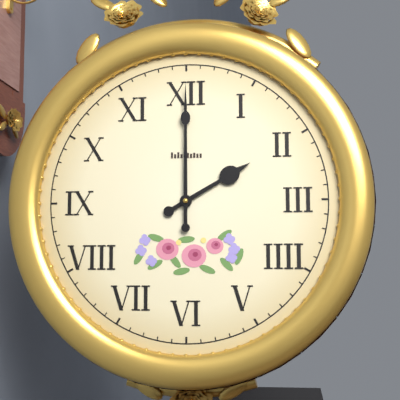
2h00
